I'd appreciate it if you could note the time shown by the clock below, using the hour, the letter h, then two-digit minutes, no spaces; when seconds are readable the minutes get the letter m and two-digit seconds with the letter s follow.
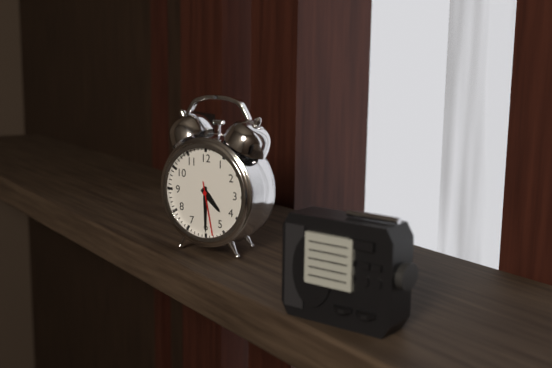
4h30m28s
